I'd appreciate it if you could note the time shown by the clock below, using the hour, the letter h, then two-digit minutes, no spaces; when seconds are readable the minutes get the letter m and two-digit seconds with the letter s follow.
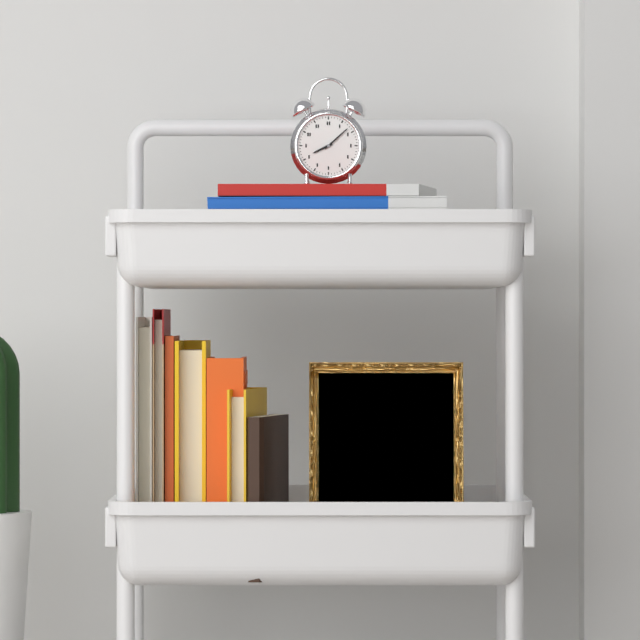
8h08
